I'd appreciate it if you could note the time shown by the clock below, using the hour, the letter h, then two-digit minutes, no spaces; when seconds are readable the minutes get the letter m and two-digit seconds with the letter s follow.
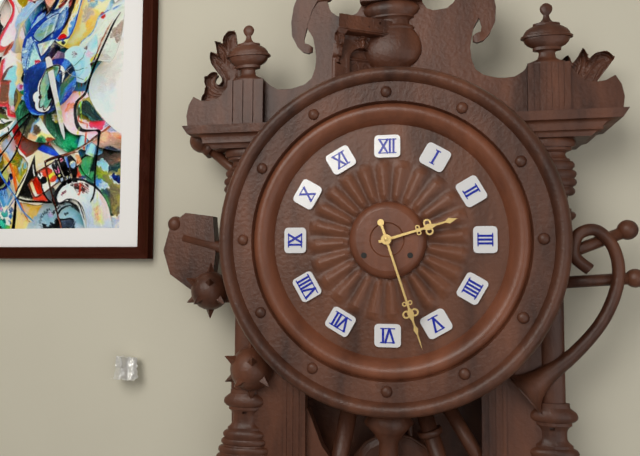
2h27
